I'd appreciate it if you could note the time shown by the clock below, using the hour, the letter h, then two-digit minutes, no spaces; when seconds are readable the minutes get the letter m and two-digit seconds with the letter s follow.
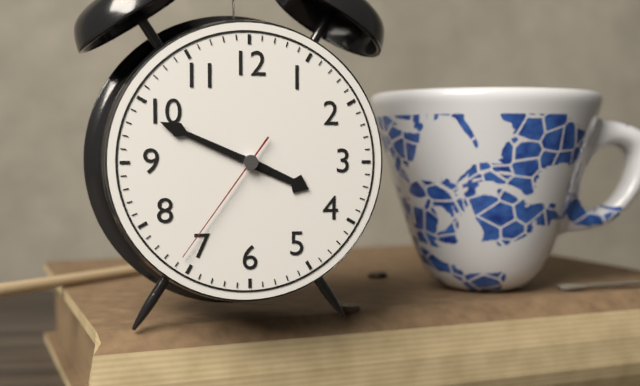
3h49m36s
